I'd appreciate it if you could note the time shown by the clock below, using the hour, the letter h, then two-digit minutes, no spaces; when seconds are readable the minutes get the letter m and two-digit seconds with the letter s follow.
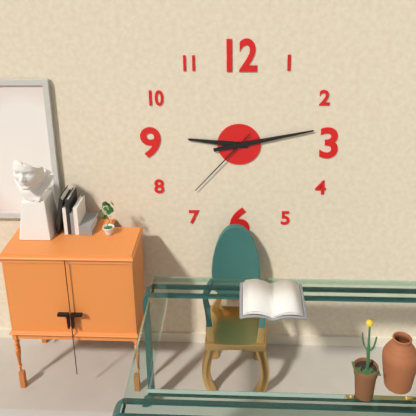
9h13m37s
